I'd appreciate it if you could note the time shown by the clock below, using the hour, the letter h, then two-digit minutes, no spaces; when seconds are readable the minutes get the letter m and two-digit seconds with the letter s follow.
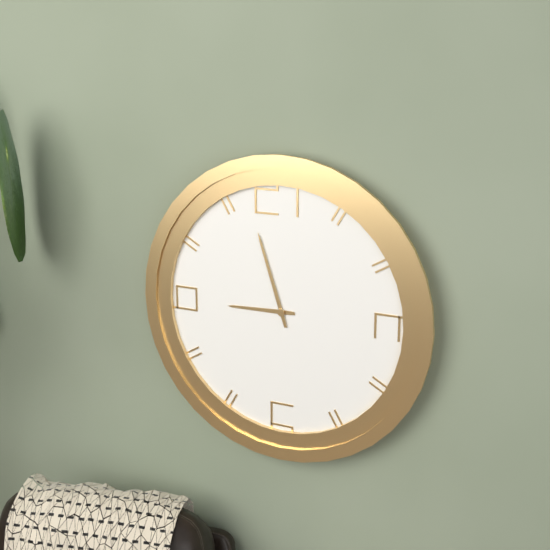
8h57
